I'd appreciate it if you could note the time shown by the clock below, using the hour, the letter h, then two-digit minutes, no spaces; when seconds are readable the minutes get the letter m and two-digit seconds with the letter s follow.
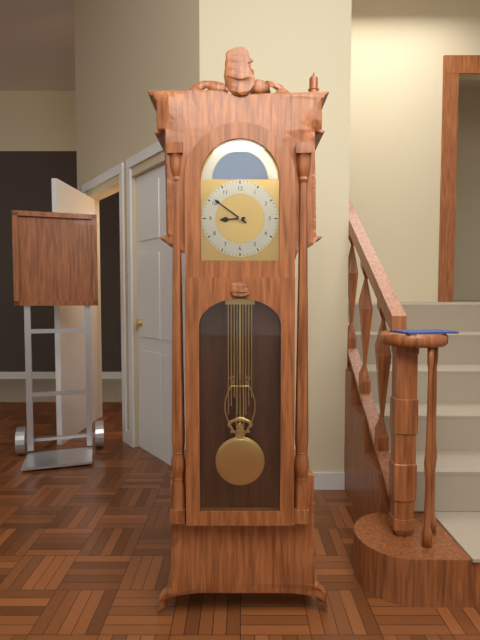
8h51
